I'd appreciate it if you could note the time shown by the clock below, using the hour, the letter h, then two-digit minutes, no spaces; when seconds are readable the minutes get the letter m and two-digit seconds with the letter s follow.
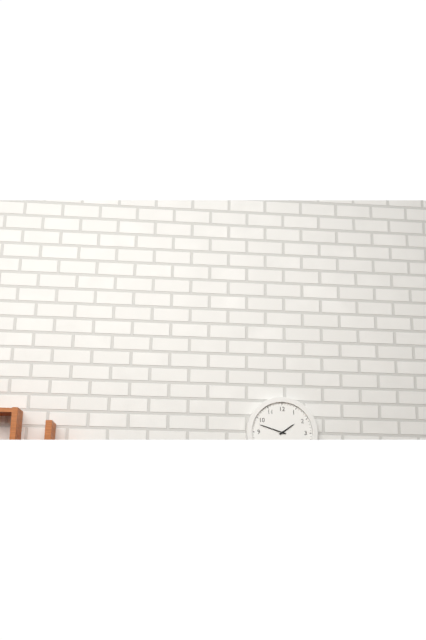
1h48
